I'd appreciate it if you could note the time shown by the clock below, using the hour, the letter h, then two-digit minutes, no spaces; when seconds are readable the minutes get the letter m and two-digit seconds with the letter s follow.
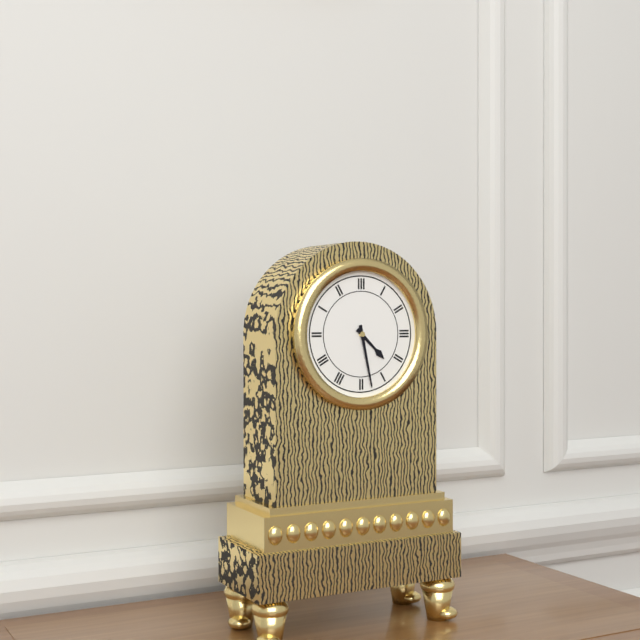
4h28
